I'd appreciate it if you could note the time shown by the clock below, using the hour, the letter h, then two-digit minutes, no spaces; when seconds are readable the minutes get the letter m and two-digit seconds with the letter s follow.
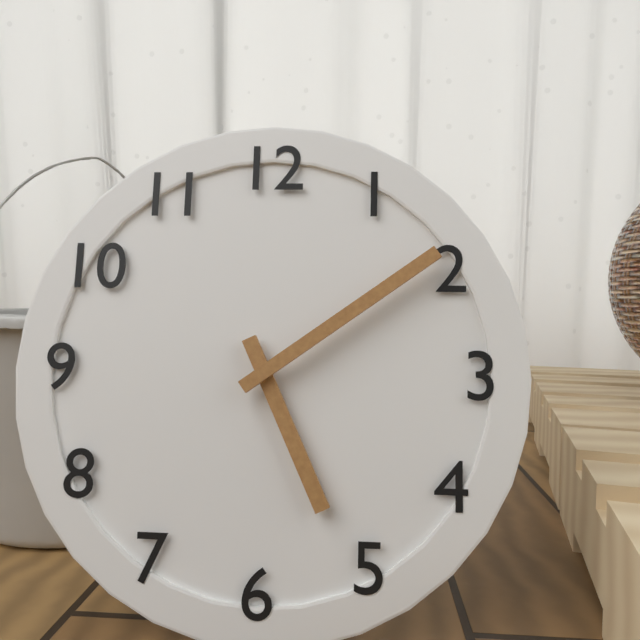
5h09
